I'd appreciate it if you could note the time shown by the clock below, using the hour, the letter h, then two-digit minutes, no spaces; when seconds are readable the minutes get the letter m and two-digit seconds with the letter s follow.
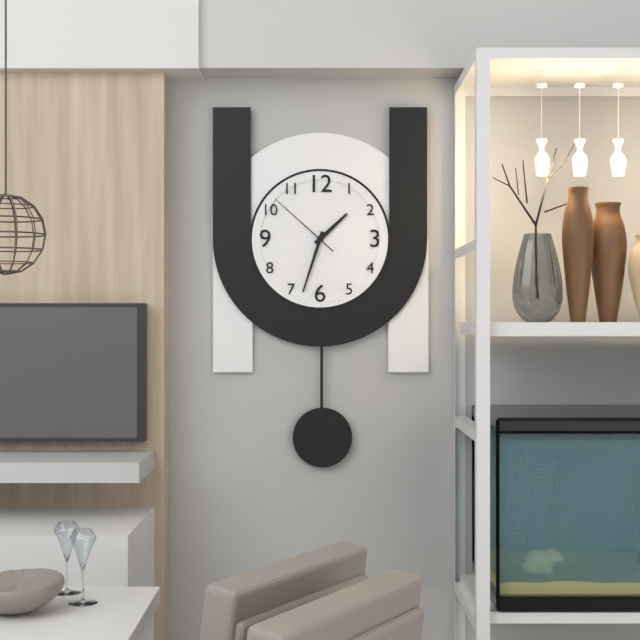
1h33m52s
